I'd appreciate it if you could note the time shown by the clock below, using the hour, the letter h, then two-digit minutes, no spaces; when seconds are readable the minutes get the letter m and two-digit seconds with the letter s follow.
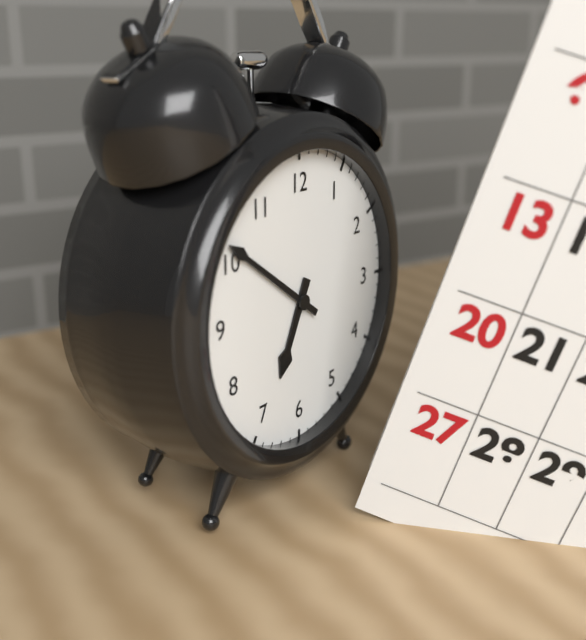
6h51
